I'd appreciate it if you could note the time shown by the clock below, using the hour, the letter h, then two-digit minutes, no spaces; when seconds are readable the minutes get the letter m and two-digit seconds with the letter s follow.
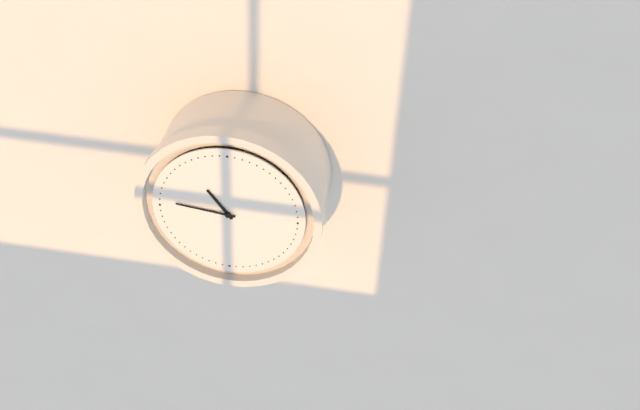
10h46
